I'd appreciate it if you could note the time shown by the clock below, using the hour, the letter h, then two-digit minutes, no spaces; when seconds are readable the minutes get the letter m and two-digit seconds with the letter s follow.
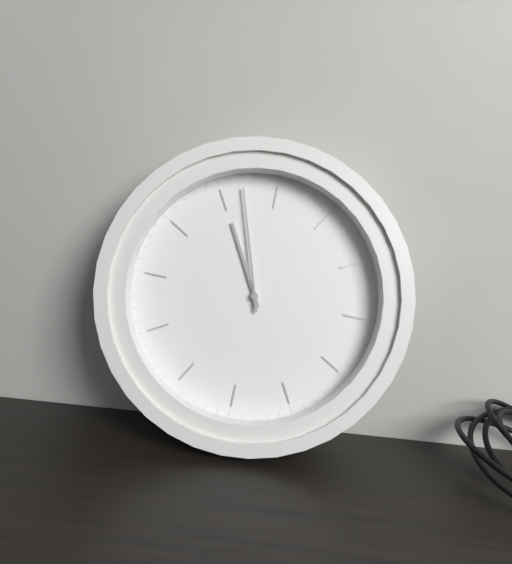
12h02
